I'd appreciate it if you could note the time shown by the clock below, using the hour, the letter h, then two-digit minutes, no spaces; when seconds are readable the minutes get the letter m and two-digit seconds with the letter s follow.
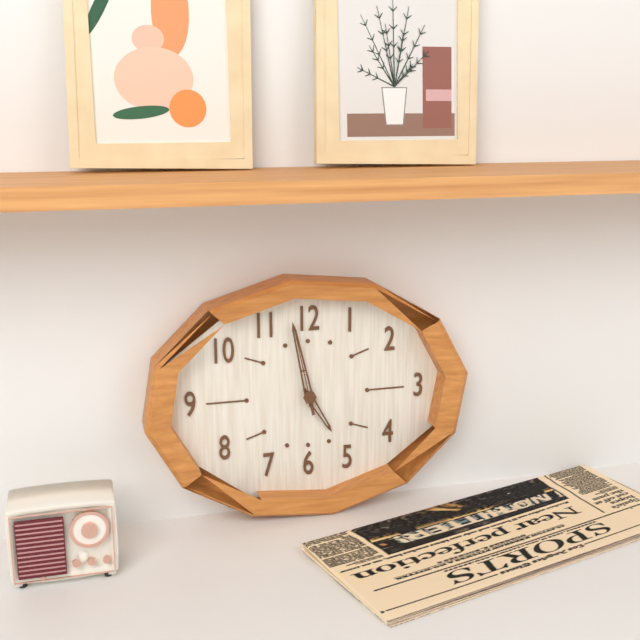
4h58m58s
